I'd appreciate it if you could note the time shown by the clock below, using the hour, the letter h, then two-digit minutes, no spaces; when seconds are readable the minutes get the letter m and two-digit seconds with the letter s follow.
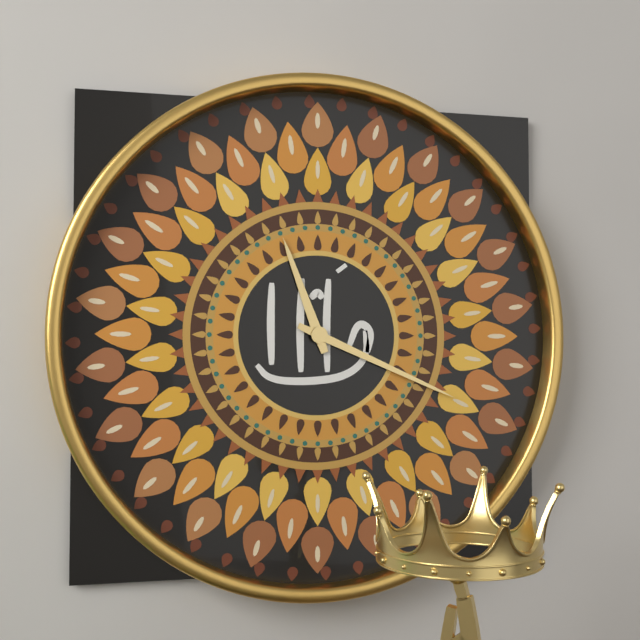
11h19
